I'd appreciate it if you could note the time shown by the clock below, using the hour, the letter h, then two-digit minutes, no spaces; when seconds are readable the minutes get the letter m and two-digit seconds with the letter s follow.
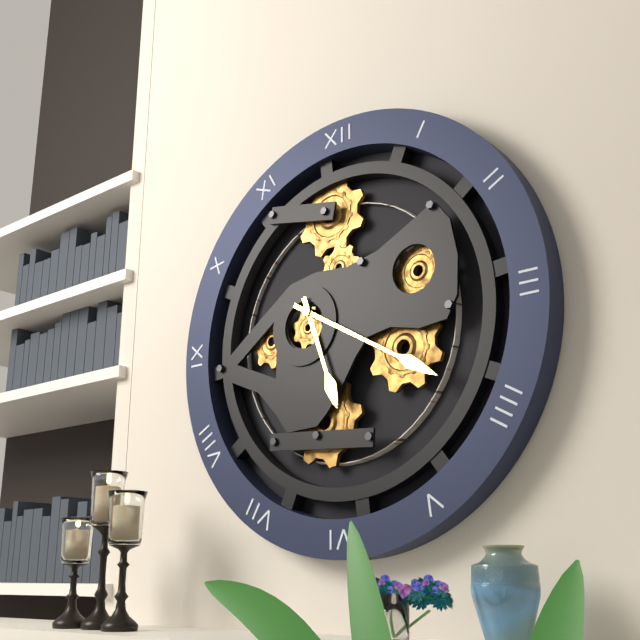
5h20
